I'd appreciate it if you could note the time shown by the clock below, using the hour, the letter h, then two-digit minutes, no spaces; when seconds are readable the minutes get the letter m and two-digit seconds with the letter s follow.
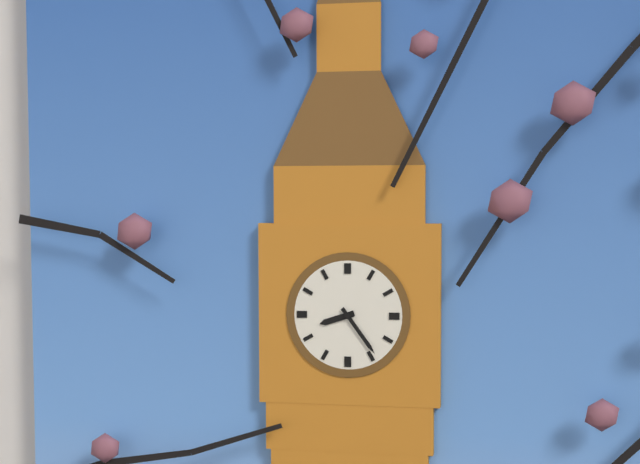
8h24
